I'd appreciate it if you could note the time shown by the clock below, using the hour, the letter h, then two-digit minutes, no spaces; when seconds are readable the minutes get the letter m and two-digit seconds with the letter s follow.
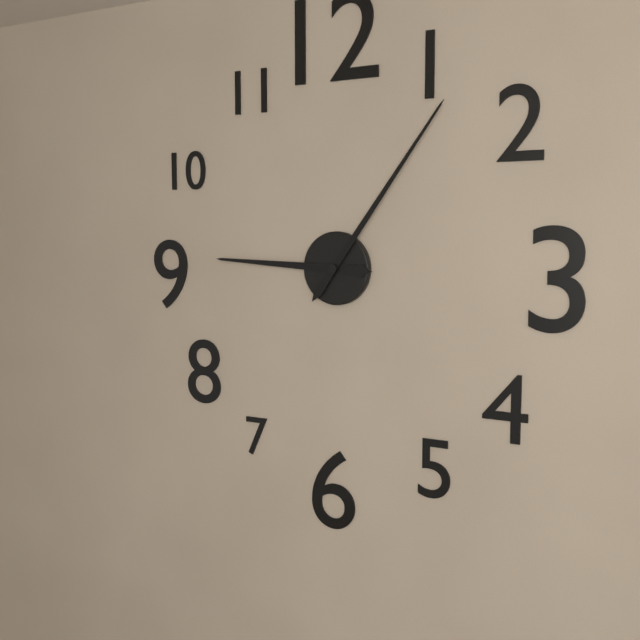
9h06
